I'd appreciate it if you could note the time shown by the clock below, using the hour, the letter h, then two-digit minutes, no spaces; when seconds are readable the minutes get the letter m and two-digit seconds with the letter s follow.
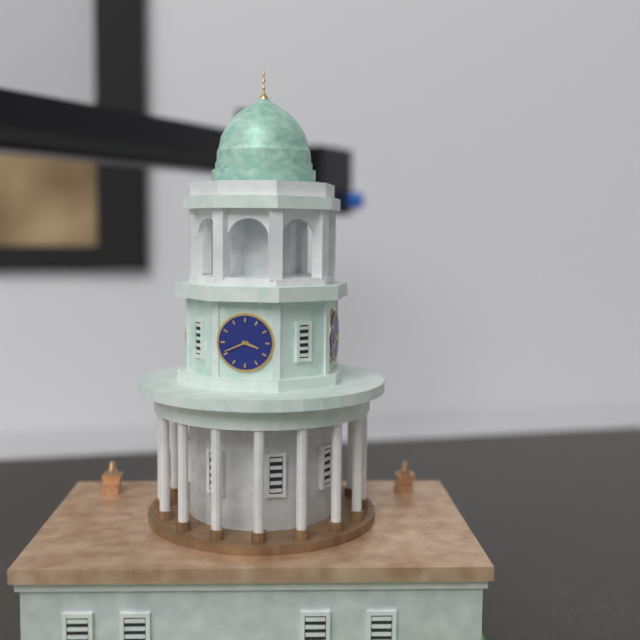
3h41
